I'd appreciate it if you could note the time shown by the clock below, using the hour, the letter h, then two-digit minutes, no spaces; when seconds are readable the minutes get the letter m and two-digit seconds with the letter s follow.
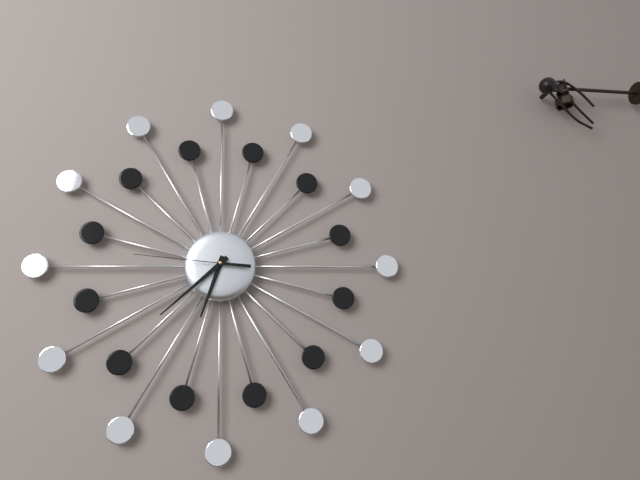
6h38m46s
